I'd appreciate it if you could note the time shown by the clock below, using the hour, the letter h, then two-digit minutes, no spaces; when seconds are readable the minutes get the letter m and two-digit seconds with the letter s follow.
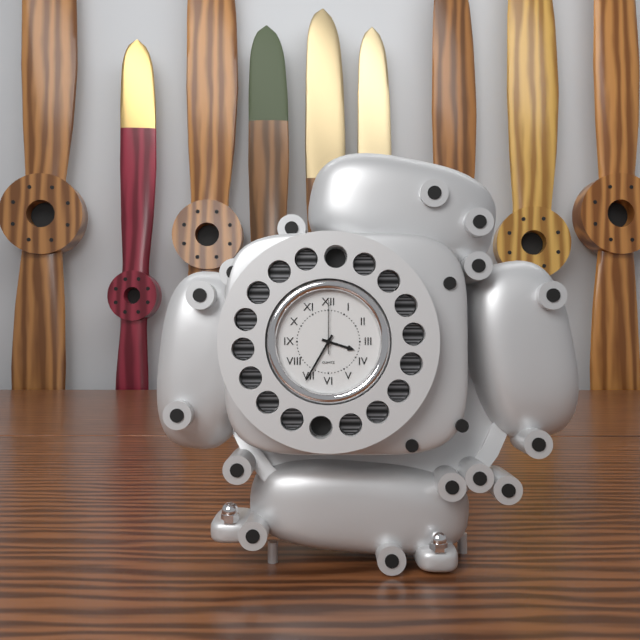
3h35m00s
